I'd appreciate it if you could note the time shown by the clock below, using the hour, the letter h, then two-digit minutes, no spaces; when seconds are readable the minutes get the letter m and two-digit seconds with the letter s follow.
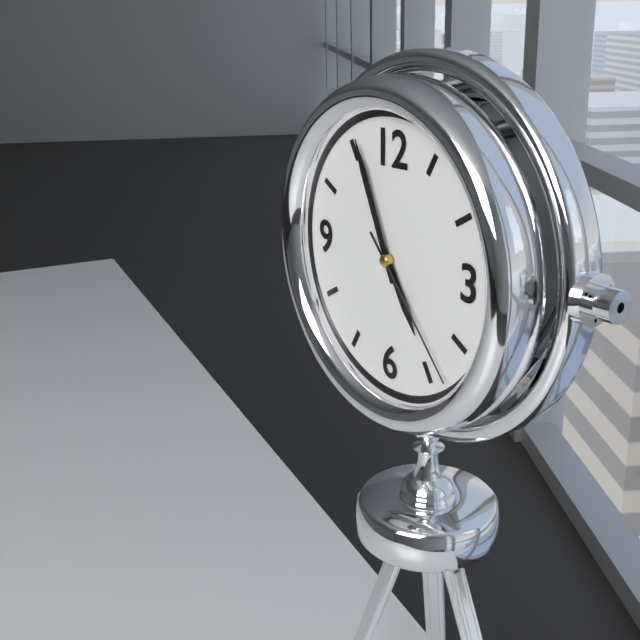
4h56m23s
